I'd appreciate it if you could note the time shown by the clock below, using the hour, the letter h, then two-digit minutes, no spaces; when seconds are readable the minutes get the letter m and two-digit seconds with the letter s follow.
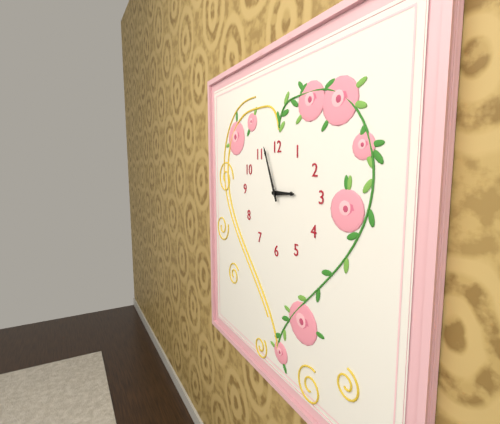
2h56
